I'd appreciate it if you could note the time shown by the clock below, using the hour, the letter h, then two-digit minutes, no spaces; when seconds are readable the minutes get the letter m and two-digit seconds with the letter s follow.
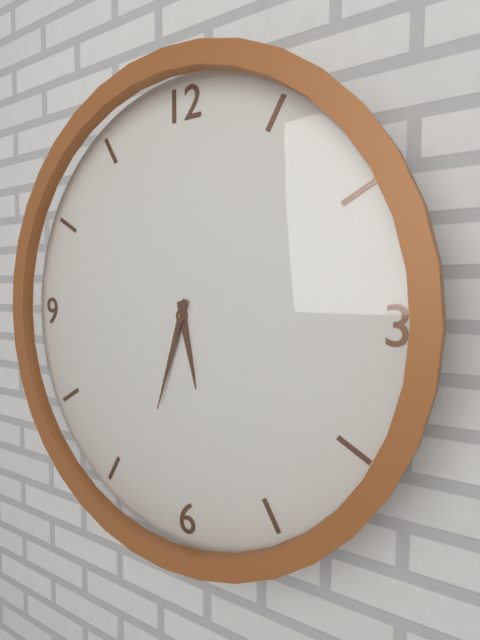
5h33
